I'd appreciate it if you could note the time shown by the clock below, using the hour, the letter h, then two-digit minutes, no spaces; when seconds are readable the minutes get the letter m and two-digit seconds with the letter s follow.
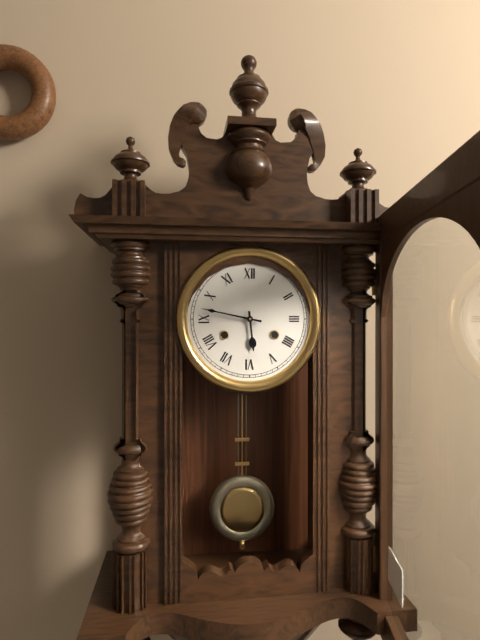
5h47
